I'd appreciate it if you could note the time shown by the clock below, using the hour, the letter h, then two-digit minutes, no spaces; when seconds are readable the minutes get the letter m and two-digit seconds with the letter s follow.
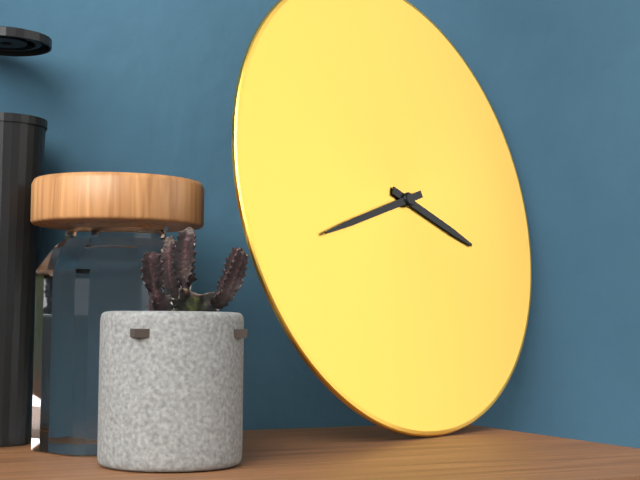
3h42
